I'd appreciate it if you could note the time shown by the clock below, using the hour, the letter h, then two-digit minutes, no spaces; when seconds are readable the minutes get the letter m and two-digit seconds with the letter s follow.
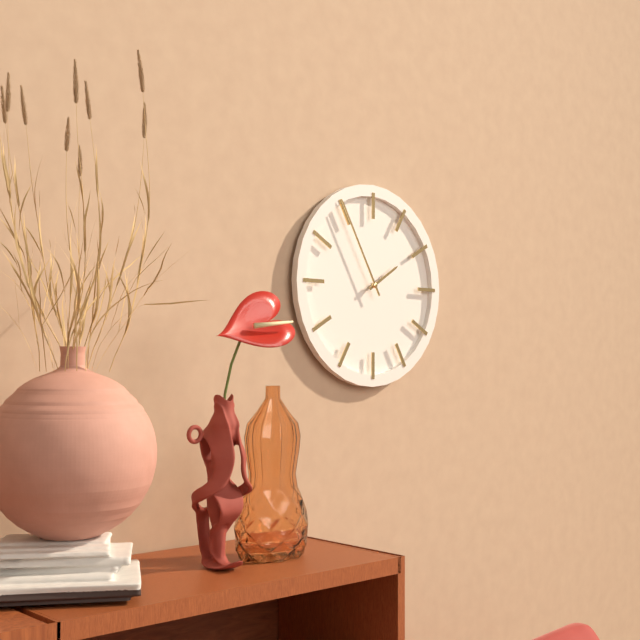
1h55
